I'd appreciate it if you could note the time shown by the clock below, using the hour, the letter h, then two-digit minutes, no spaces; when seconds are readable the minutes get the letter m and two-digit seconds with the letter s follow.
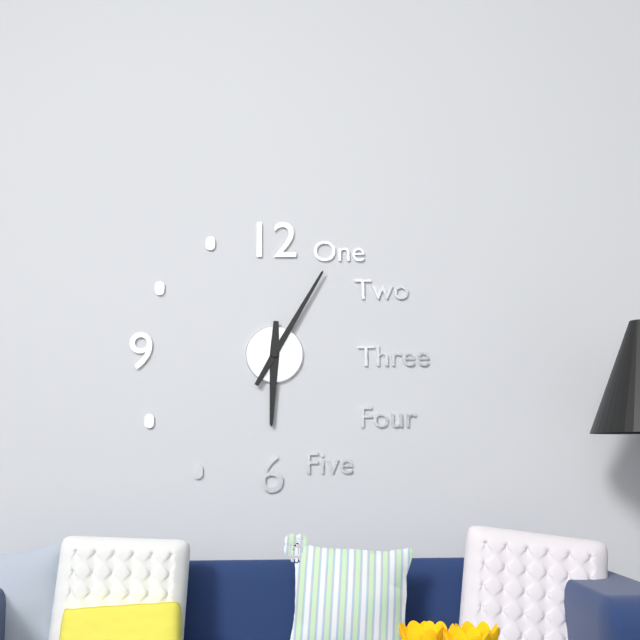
6h05
